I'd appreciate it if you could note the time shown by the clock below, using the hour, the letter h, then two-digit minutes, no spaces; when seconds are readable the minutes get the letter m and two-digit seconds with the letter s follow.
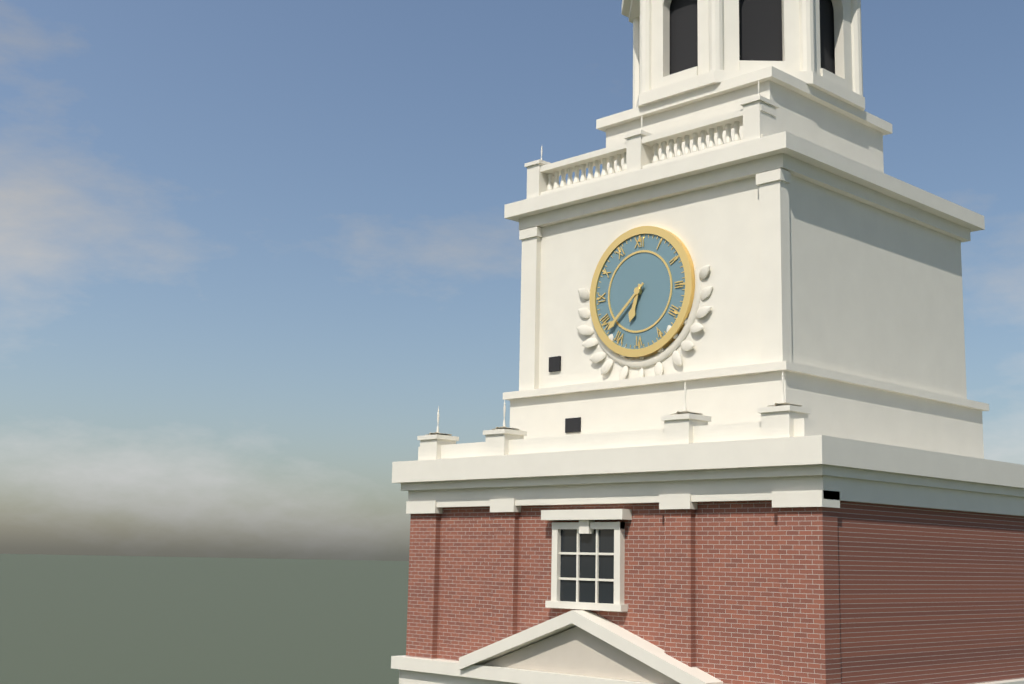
6h38
